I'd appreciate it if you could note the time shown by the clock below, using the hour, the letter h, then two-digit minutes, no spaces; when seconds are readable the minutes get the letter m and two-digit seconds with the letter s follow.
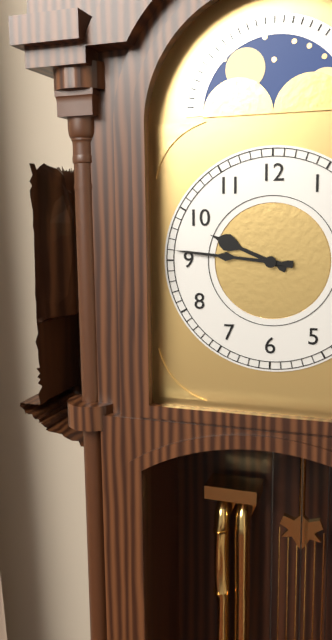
9h46
